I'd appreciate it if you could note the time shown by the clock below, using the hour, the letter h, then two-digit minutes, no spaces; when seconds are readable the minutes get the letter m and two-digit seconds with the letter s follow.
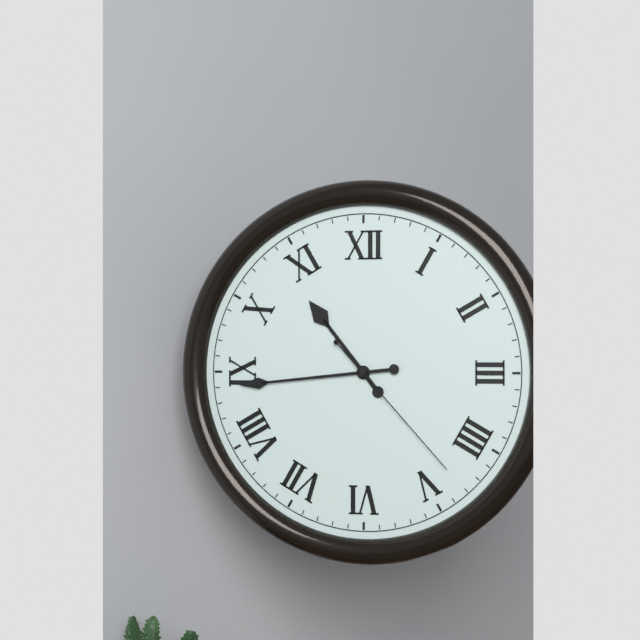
10h44m23s
